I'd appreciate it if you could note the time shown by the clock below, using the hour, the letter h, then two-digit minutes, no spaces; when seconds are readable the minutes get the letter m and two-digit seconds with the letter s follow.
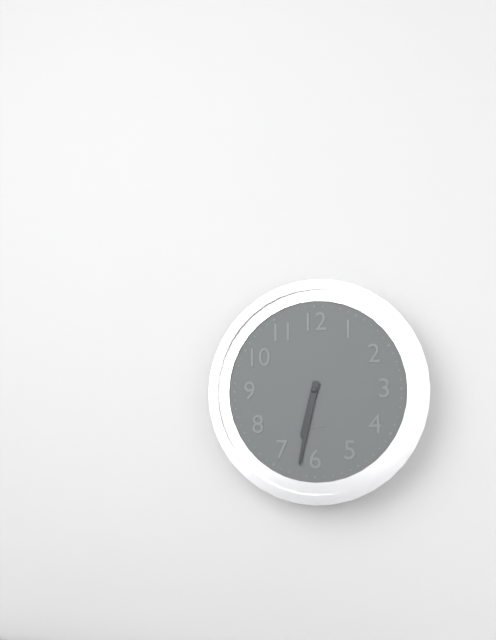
6h32
